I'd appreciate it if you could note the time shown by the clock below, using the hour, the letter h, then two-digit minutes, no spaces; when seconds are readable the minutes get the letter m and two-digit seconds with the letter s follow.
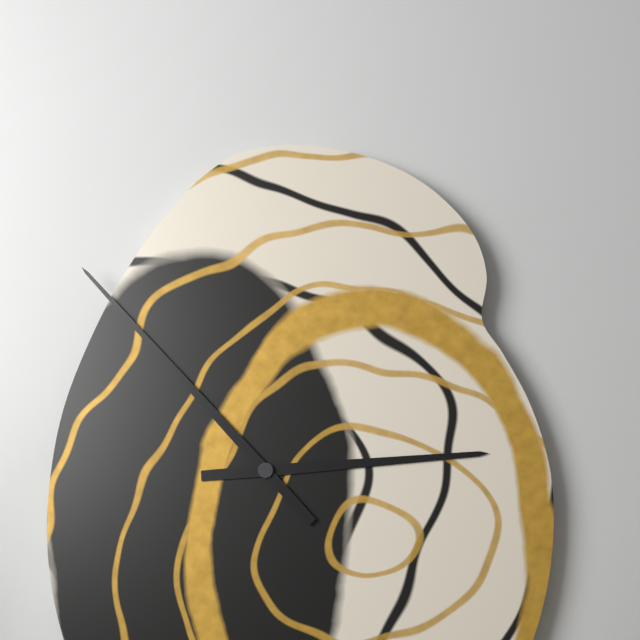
2h53
